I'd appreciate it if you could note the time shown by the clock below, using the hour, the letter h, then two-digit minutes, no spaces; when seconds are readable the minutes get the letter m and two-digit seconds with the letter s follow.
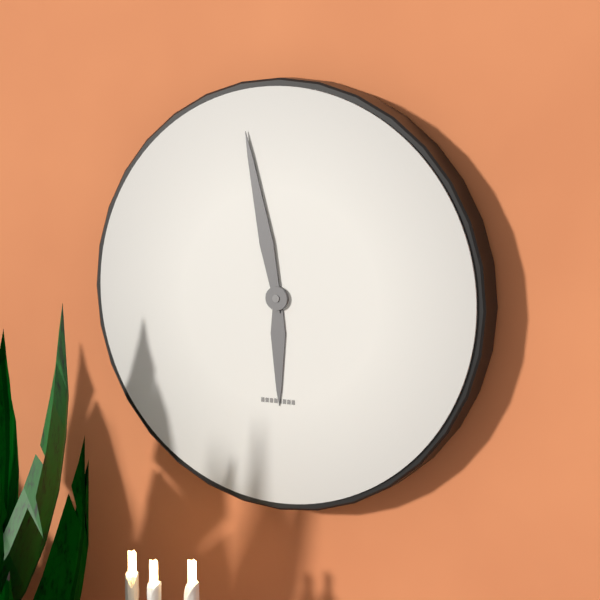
5h58
